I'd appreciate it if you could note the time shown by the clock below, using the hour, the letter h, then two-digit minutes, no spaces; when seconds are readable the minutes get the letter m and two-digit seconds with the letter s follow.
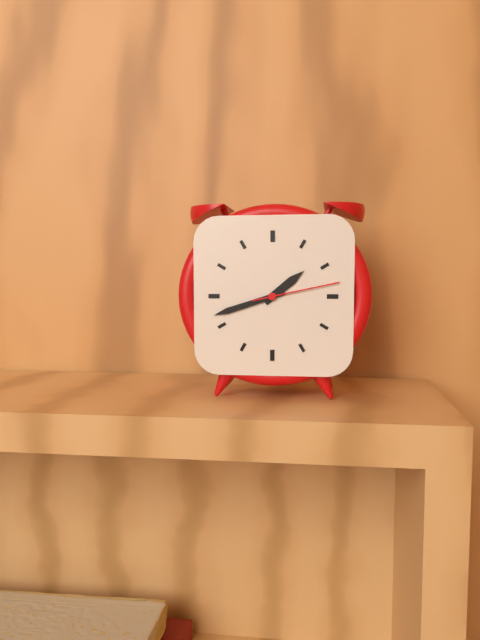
1h42m13s
